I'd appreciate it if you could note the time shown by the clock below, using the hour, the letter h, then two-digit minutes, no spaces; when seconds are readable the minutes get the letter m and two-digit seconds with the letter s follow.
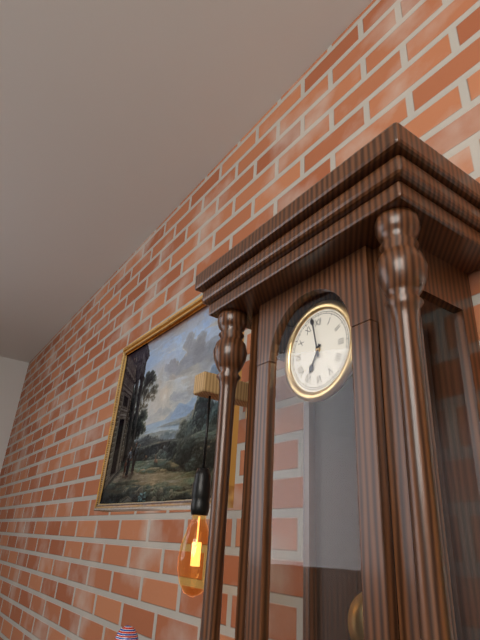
6h58
